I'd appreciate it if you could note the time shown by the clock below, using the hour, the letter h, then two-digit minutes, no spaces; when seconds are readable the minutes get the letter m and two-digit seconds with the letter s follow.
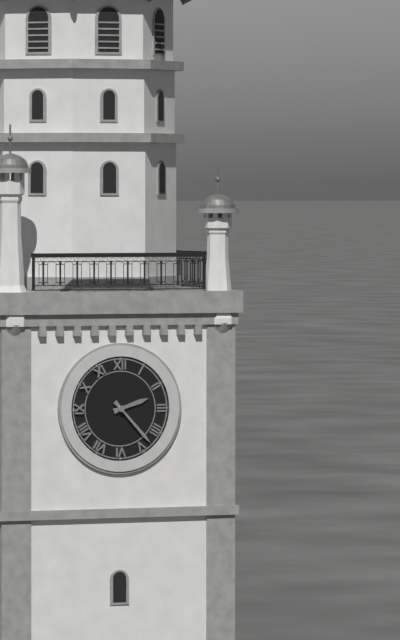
2h23
